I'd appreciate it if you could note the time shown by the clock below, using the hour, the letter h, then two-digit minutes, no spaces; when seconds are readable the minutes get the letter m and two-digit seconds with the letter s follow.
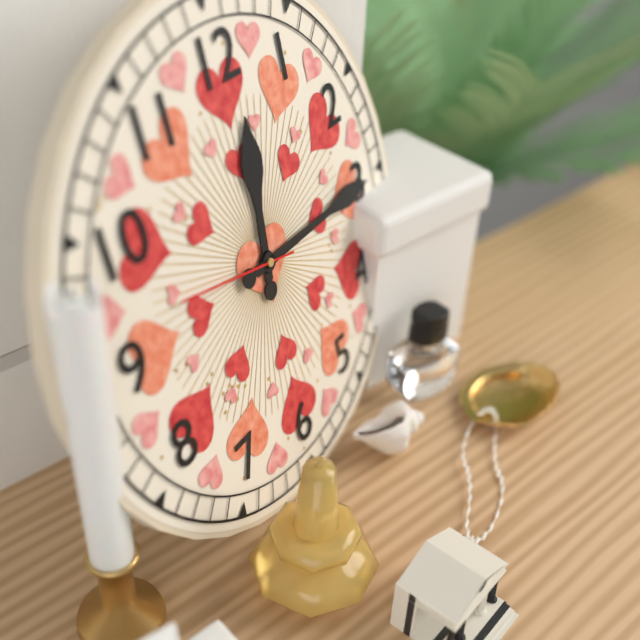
12h15m47s
